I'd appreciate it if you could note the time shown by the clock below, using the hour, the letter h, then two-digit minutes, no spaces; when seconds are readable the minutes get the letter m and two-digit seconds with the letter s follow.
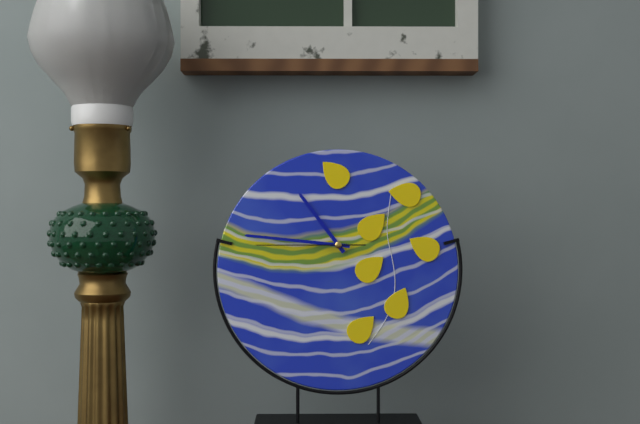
10h46m45s
